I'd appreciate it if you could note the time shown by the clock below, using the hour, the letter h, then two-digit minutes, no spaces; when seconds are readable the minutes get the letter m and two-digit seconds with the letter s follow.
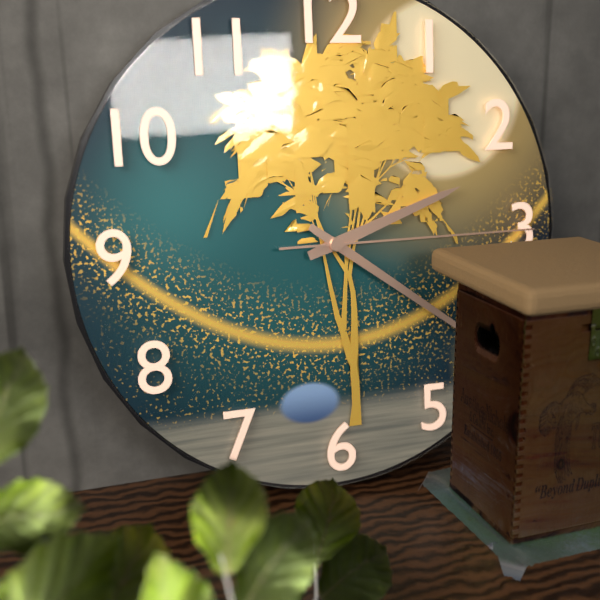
2h21m15s
